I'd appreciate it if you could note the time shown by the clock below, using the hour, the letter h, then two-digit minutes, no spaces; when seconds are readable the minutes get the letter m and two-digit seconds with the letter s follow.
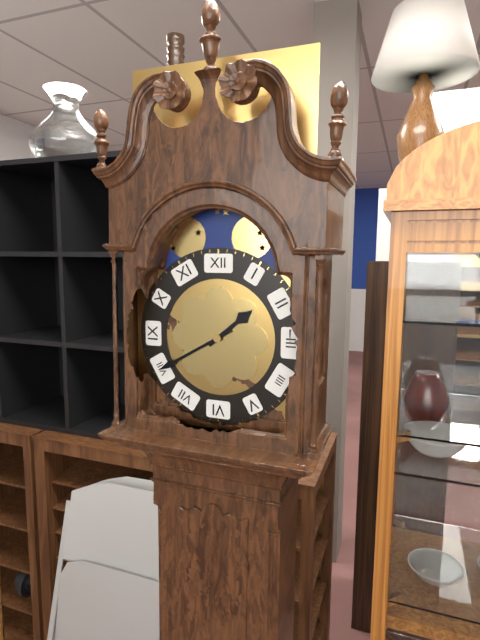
1h40
